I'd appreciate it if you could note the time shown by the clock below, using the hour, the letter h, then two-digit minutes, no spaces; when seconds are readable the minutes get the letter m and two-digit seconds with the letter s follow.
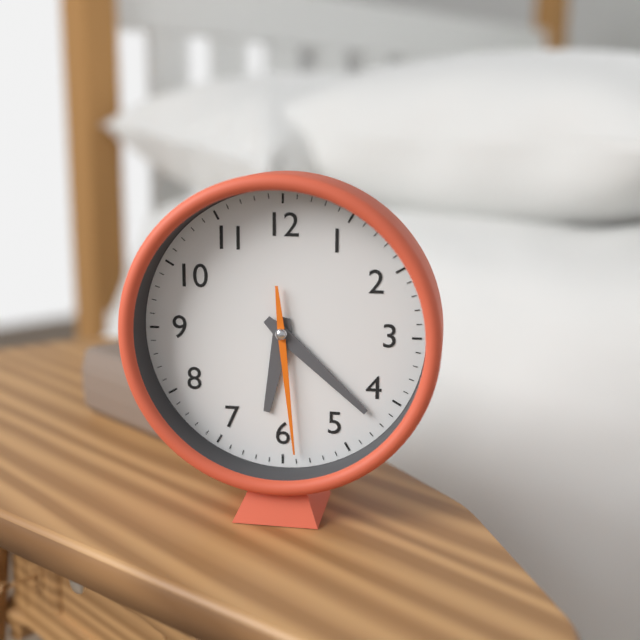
6h22m29s
